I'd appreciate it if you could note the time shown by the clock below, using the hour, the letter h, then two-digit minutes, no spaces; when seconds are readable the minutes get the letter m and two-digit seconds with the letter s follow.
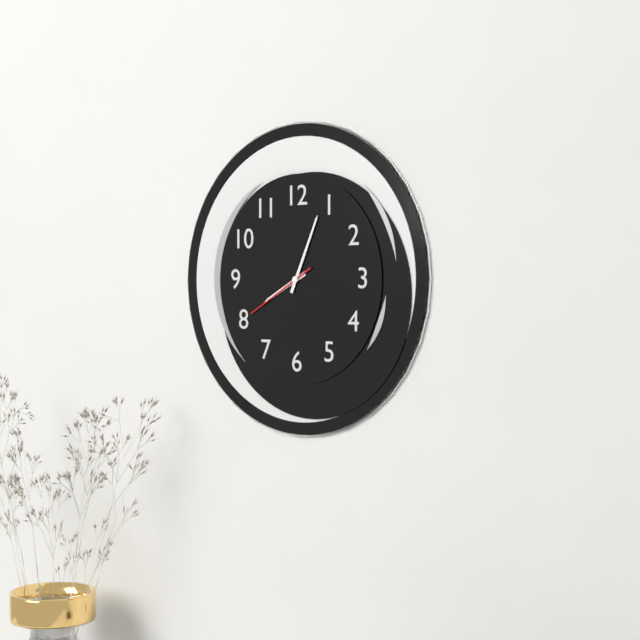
8h04m40s
